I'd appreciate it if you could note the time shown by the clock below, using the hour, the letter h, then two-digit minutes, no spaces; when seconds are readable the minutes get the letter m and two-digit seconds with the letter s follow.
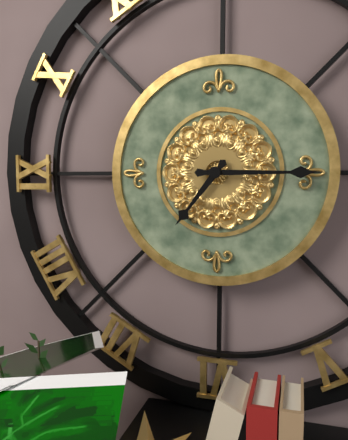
7h15
